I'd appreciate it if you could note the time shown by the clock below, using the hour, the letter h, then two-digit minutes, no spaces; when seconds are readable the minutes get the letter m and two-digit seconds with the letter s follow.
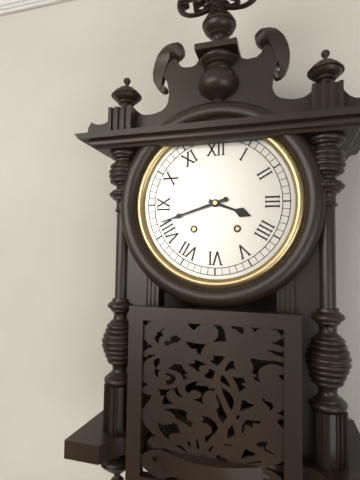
3h42
